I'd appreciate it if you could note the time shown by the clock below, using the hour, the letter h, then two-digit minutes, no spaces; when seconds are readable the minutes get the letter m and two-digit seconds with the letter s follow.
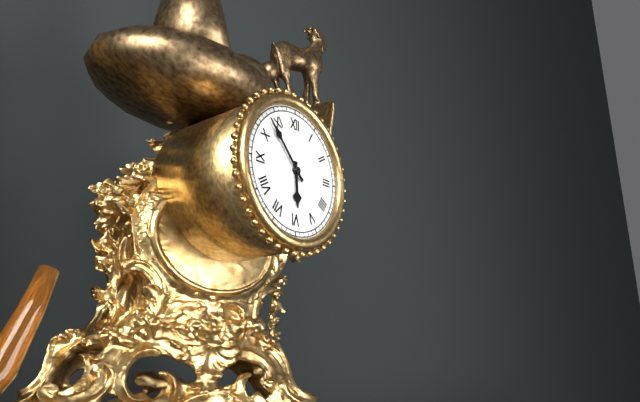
5h53
